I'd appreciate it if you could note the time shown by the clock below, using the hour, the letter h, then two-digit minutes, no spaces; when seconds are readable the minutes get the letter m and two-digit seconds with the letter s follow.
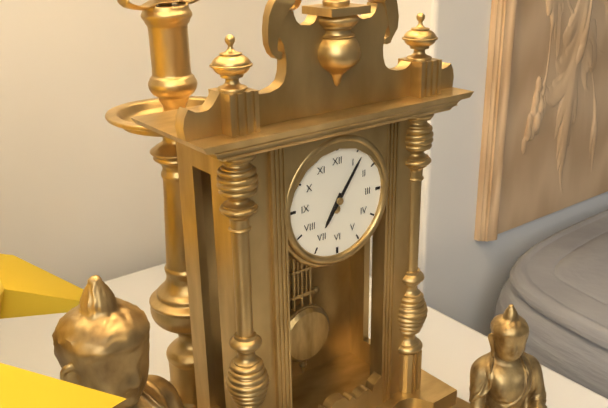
7h06
